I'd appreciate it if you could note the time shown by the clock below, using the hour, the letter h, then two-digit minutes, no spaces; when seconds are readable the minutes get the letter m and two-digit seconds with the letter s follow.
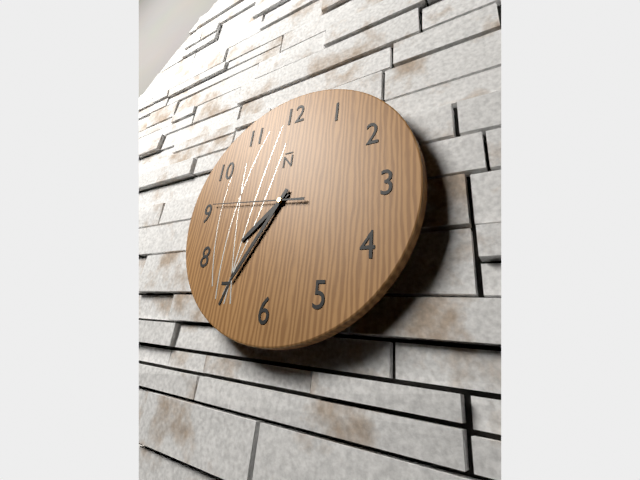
7h35m46s
